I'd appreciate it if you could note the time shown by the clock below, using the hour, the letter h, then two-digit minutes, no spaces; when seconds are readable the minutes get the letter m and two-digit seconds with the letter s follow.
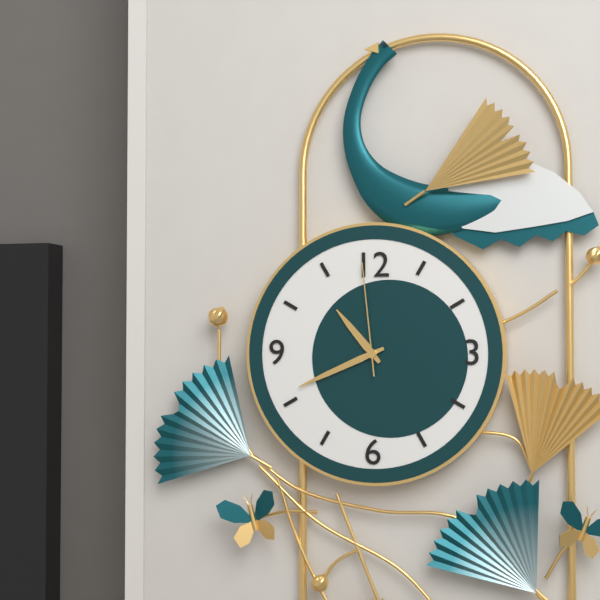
10h41m59s
